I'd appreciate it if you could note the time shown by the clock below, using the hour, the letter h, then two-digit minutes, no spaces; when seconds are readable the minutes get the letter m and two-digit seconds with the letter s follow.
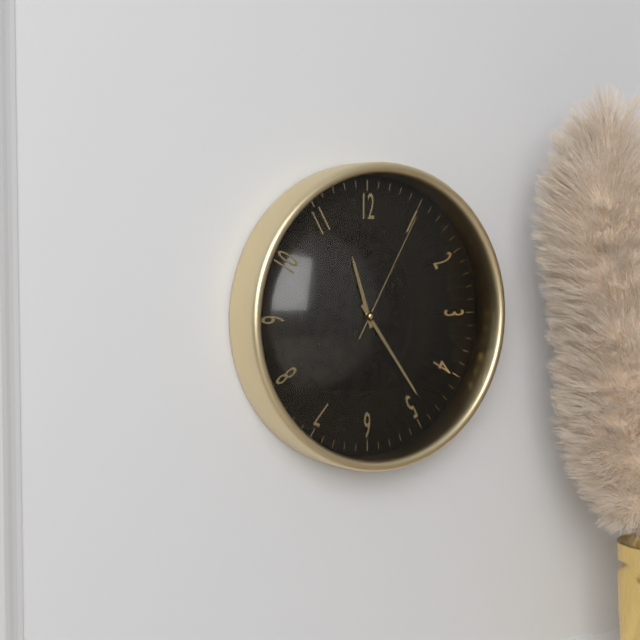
11h24m05s
